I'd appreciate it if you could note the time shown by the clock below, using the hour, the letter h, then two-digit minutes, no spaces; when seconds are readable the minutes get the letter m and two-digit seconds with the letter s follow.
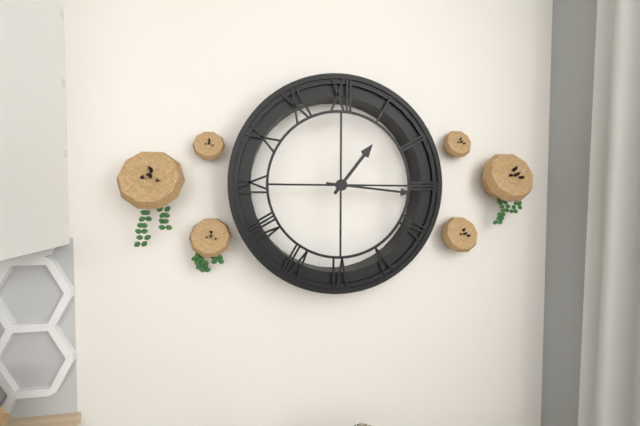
1h16
